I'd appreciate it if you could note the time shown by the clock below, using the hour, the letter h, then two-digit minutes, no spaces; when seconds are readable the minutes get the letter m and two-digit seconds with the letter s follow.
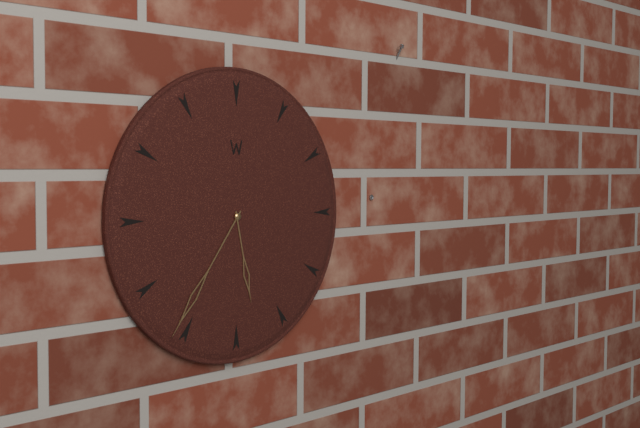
5h36
